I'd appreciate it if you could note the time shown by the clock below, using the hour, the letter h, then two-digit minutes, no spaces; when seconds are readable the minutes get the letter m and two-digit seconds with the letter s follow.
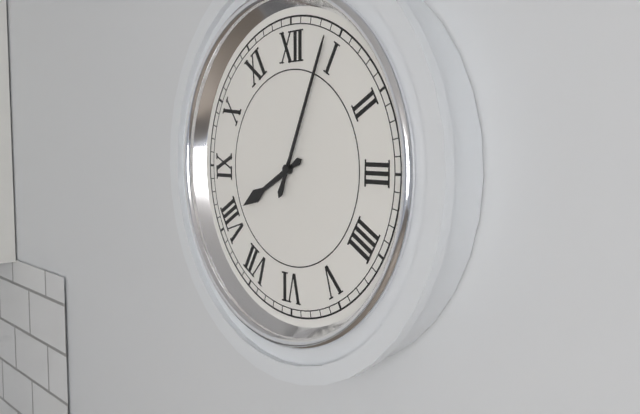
8h04
